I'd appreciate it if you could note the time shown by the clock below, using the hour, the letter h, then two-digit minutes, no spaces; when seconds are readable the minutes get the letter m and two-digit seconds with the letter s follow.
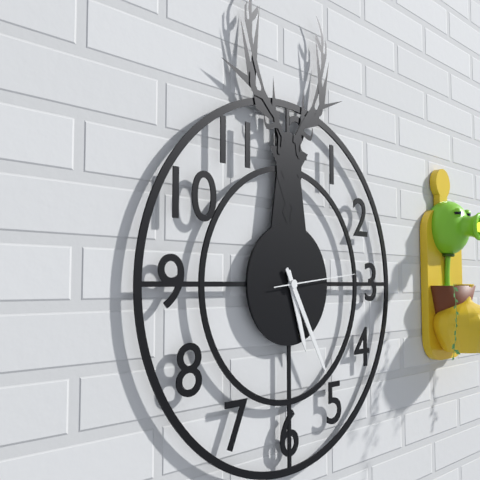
5h25m14s
